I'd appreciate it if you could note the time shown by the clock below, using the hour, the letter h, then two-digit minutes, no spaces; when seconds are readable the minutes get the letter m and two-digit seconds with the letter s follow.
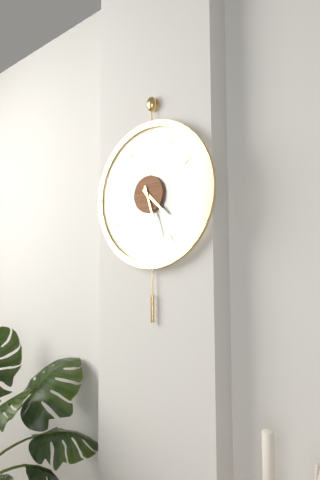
4h27
